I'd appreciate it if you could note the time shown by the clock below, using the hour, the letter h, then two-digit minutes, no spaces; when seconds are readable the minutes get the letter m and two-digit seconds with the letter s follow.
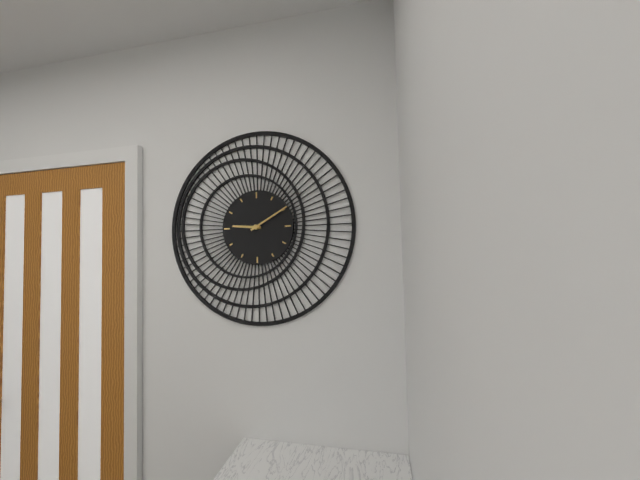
9h10
